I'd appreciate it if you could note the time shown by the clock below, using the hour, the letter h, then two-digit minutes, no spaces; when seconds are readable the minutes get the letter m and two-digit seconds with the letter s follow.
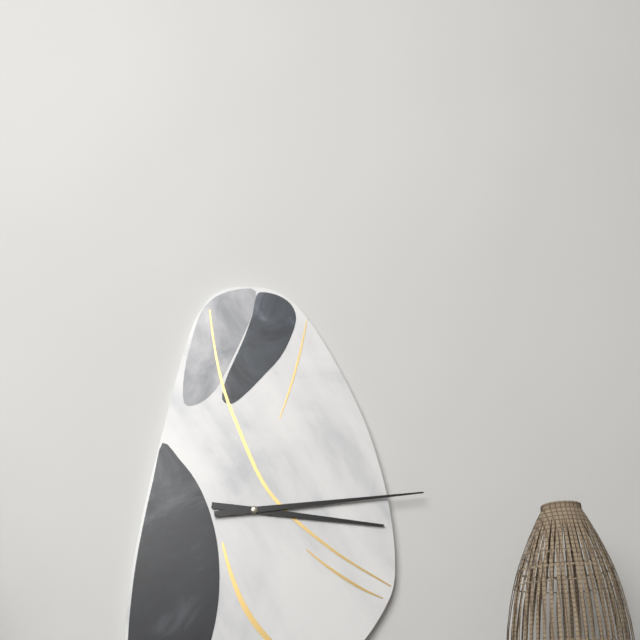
3h14
